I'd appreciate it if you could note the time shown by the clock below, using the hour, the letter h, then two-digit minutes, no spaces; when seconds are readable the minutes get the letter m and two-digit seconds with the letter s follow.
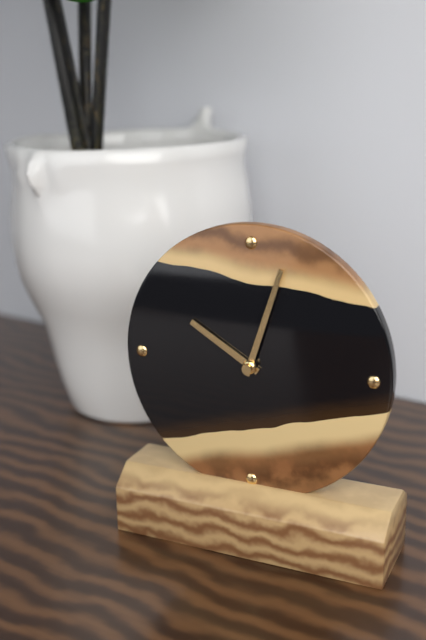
10h03
